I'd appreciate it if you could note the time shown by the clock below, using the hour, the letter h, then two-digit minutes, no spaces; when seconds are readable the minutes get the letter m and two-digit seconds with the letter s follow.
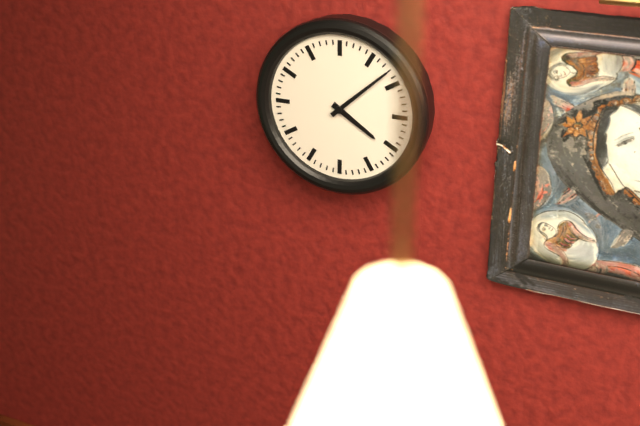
4h08
